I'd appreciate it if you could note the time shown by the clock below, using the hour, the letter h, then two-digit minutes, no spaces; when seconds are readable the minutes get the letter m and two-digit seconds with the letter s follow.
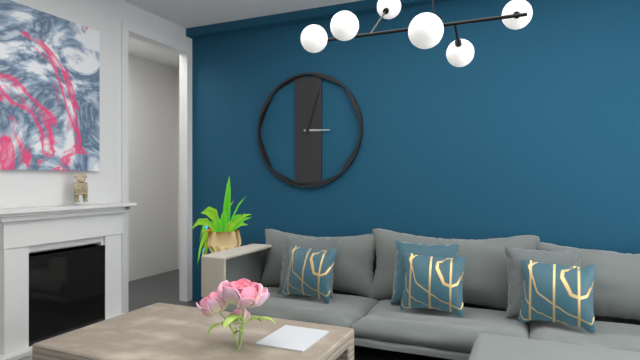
3h03
